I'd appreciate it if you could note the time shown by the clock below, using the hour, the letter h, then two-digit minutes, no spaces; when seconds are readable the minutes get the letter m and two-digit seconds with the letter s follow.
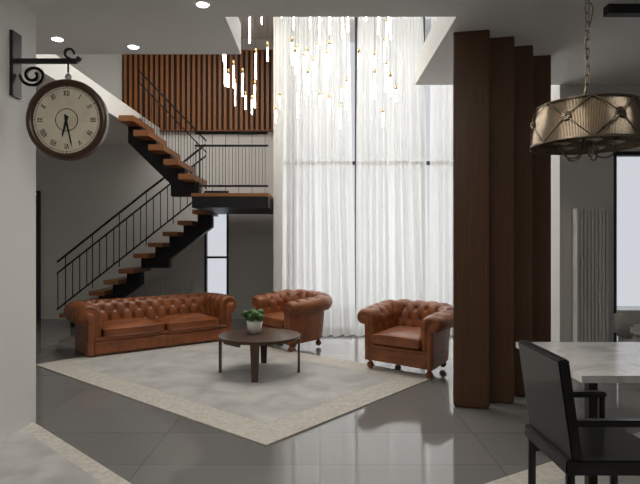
6h28
